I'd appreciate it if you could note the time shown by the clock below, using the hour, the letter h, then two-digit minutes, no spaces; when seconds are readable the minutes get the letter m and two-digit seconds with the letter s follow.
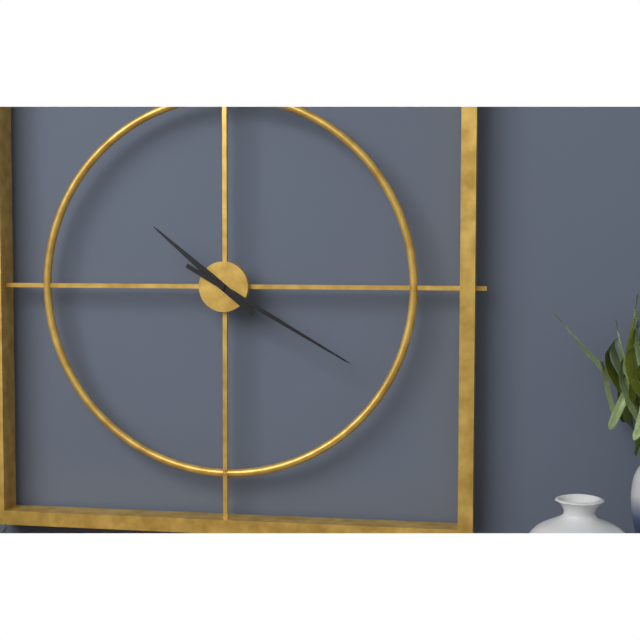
10h20
